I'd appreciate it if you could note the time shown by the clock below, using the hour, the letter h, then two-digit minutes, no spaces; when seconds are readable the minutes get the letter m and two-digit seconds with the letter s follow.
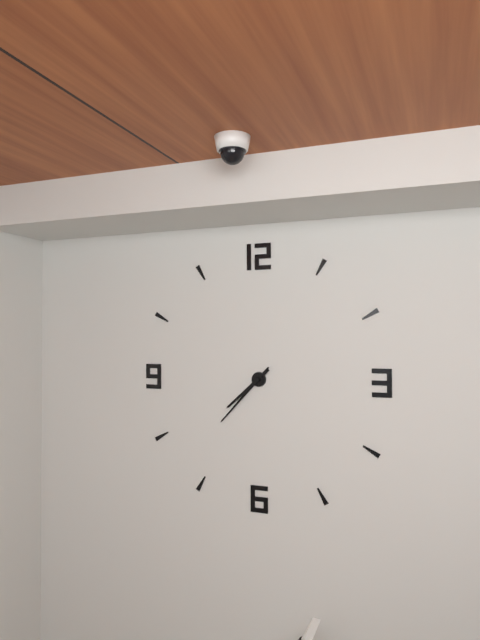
7h37
